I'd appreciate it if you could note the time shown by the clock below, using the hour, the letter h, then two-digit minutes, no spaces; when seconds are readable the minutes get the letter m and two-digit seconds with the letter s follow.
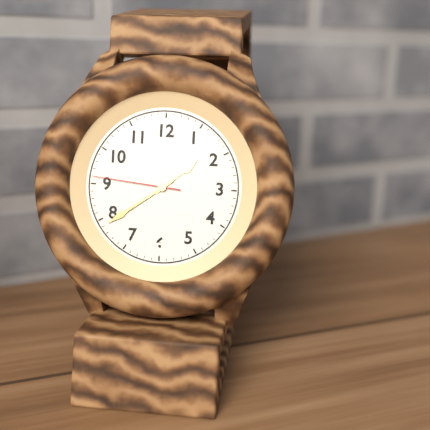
1h39m46s
